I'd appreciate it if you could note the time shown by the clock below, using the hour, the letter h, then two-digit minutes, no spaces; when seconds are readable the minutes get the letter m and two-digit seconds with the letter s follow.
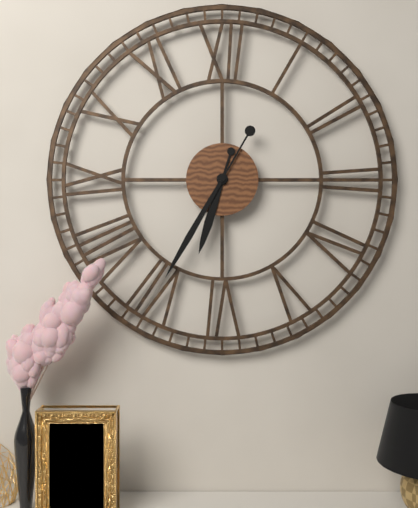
6h35
